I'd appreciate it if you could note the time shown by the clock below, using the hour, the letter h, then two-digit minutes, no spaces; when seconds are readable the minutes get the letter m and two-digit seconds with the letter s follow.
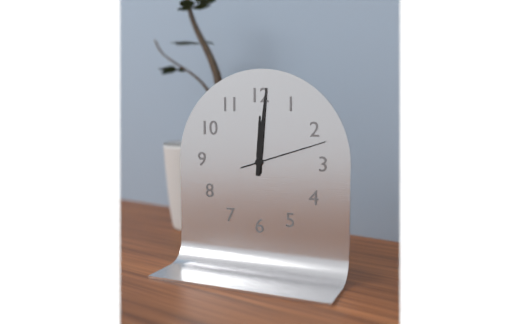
12h01m12s
